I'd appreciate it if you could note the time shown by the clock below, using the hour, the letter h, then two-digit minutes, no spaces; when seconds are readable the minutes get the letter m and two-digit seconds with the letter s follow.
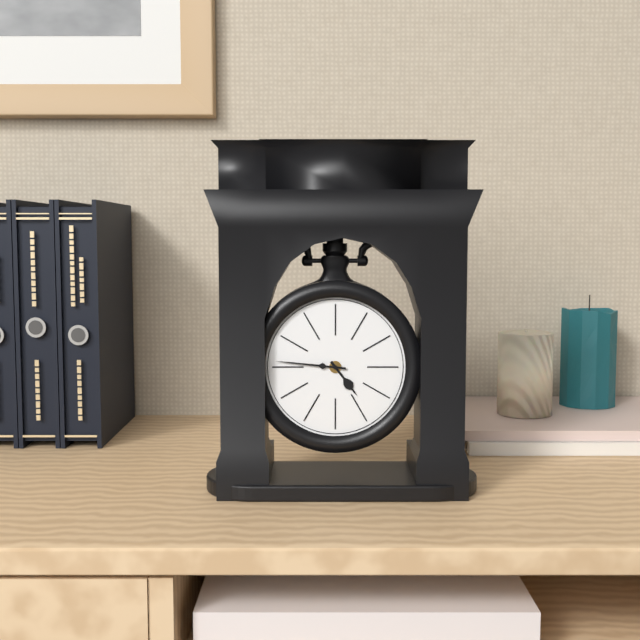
4h46
